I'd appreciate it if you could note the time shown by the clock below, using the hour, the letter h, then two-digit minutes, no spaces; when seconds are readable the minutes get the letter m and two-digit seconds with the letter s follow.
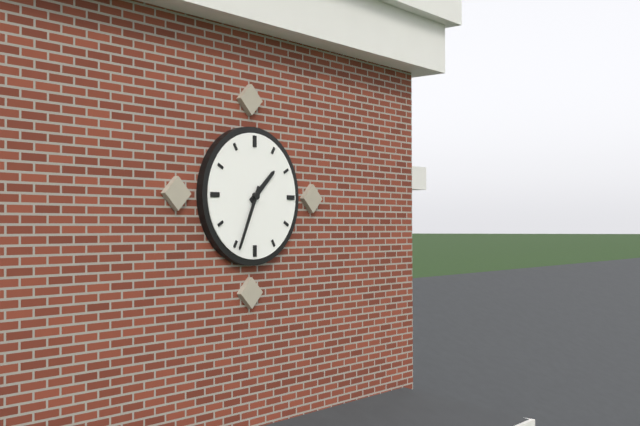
1h34
